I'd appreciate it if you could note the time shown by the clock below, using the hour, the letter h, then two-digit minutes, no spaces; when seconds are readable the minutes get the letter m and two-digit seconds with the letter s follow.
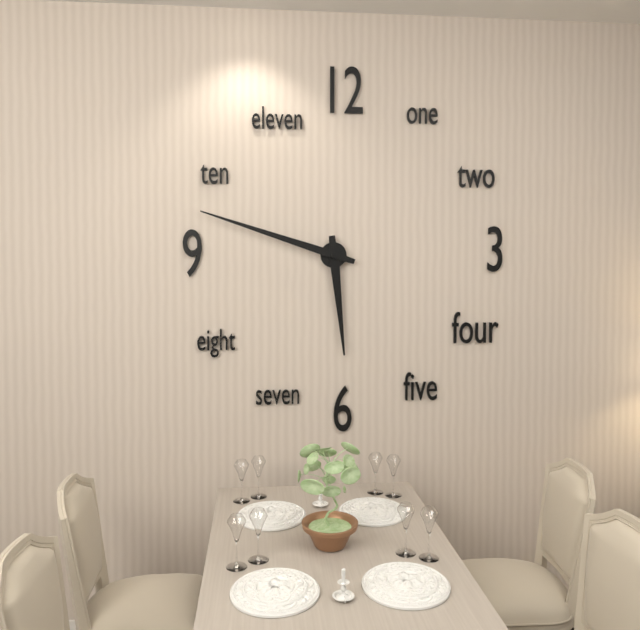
5h48
